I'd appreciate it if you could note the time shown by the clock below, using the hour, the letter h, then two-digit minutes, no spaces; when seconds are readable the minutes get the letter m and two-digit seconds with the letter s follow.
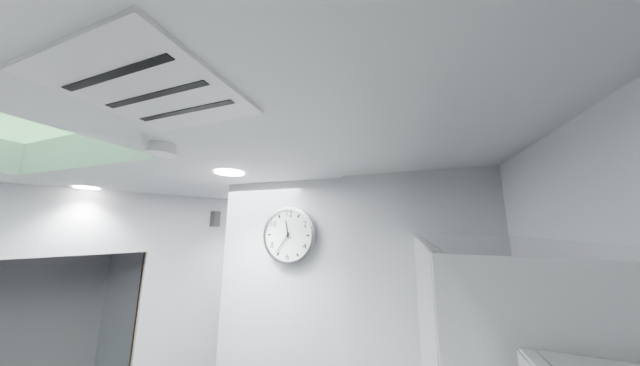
11h36
